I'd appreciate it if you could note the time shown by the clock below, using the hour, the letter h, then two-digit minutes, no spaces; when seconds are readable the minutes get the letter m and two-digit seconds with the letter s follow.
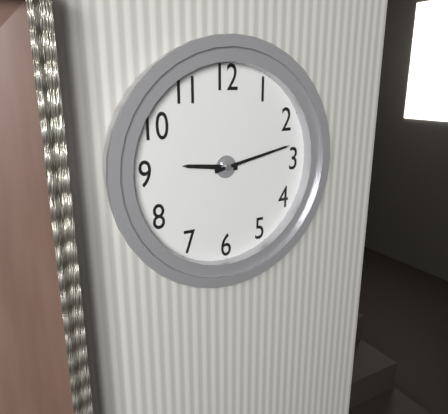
9h13
